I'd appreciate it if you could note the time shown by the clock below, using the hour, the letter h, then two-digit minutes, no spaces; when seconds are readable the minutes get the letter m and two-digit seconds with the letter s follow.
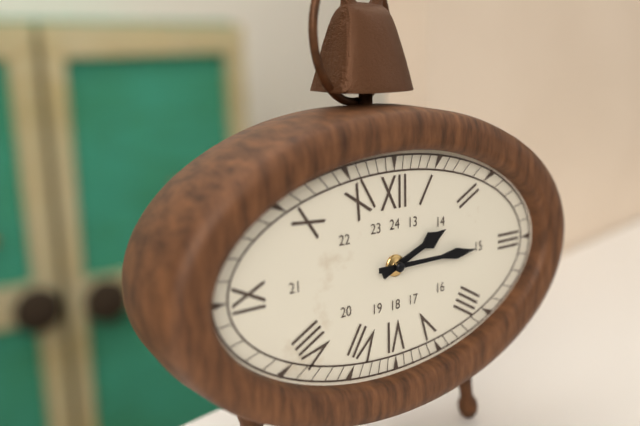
2h15
